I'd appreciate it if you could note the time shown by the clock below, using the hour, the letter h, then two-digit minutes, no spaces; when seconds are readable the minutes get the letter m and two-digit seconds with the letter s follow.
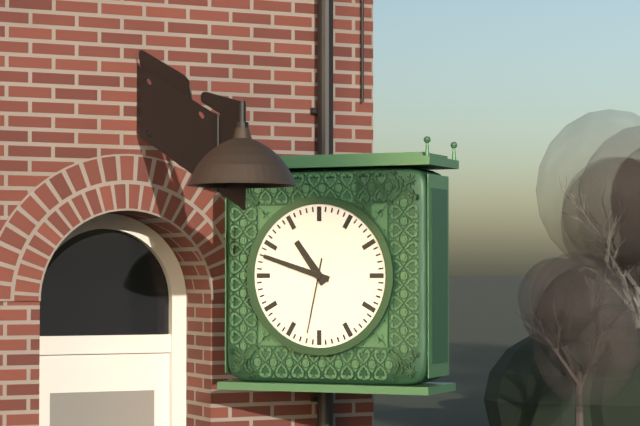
10h48m32s
